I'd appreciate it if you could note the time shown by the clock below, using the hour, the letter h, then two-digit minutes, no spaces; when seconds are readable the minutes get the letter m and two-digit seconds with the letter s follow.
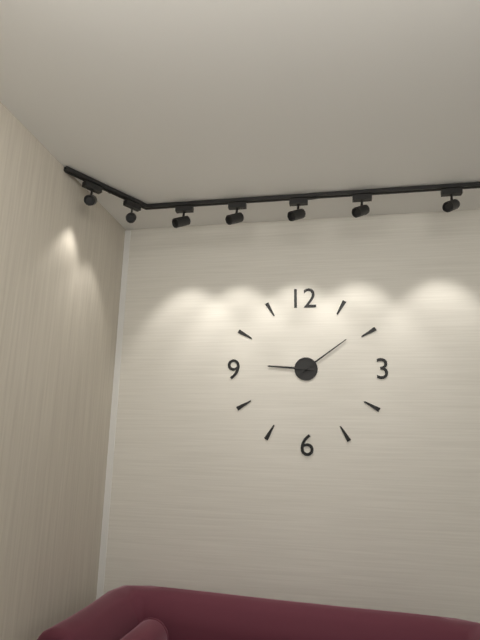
9h09
